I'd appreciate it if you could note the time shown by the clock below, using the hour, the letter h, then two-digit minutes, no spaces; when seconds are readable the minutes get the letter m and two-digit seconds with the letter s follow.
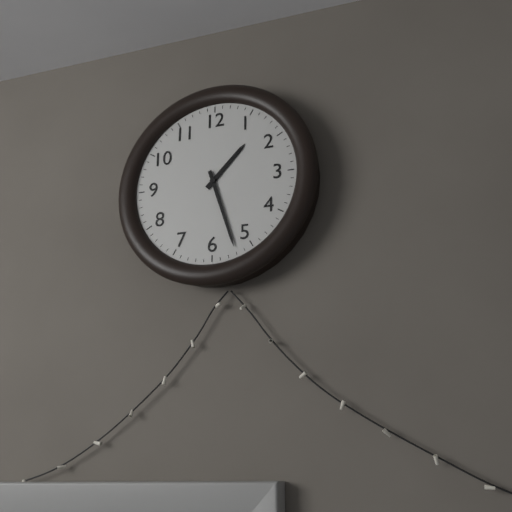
1h27
